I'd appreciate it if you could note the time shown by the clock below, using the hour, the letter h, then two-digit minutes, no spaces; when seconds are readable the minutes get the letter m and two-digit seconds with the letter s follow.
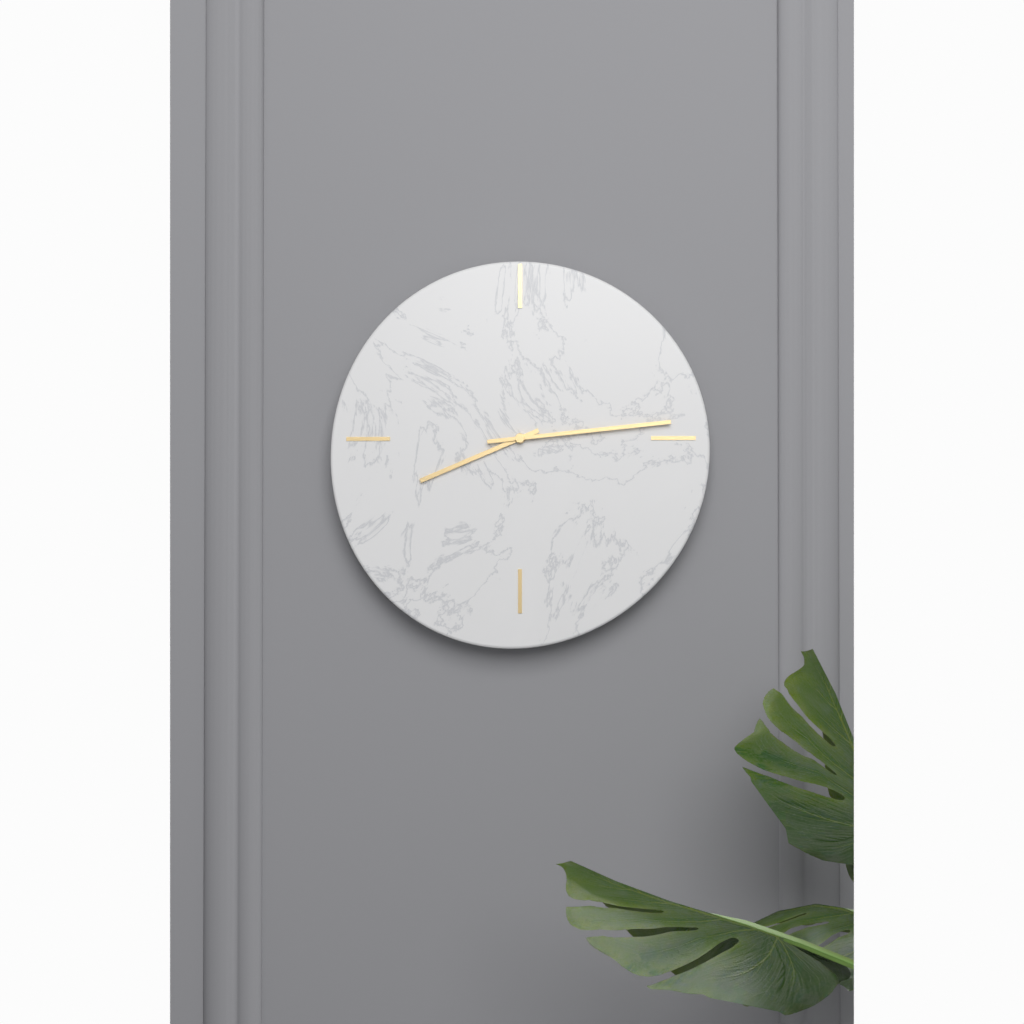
8h14
